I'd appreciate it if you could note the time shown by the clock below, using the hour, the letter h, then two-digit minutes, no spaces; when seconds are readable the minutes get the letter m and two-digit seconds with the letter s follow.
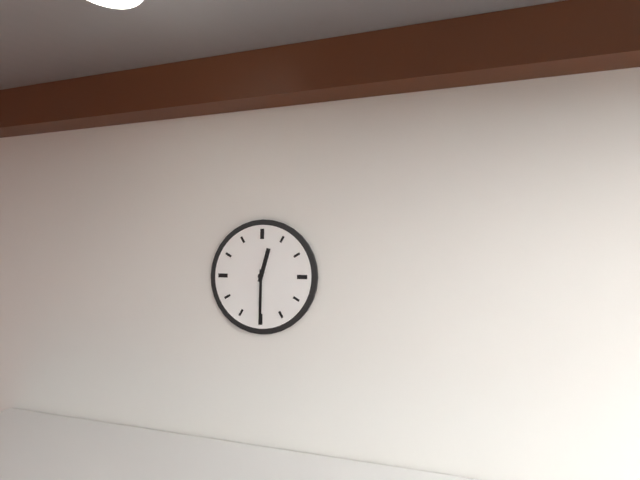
12h30
